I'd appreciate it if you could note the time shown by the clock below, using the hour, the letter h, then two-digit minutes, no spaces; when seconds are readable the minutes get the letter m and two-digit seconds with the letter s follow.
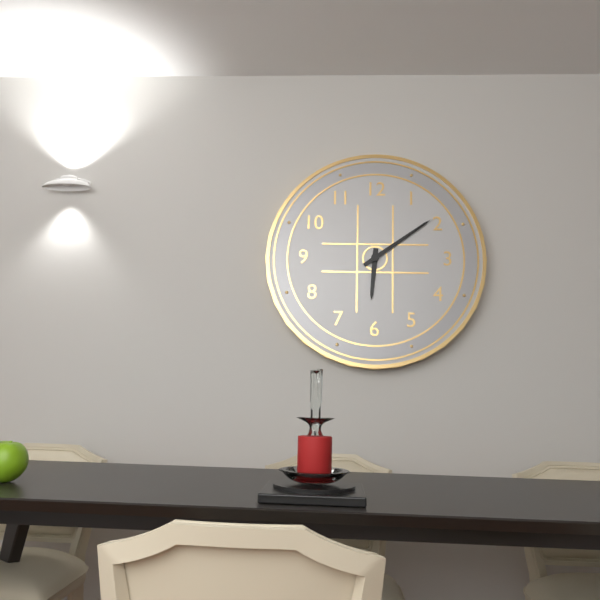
6h09
